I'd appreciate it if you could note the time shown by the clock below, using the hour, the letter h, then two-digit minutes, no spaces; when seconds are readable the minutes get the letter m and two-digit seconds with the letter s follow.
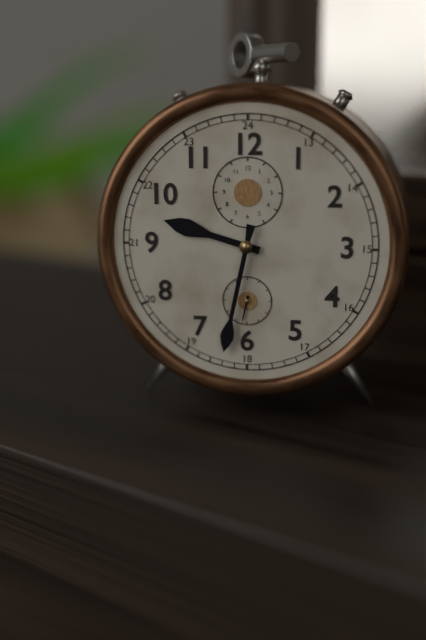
9h32
